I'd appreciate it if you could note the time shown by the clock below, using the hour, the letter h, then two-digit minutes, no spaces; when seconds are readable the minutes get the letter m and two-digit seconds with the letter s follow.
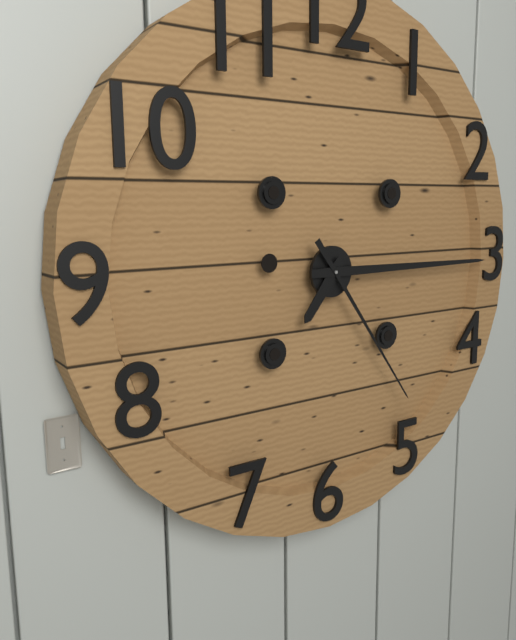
7h15m24s
